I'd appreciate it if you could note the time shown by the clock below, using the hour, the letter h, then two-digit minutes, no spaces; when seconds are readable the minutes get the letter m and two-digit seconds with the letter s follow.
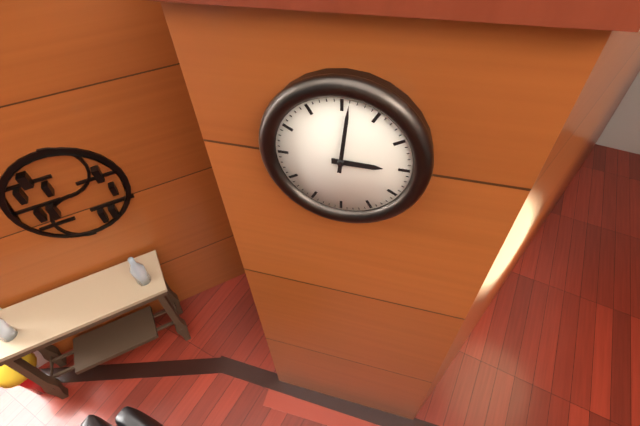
3h01
